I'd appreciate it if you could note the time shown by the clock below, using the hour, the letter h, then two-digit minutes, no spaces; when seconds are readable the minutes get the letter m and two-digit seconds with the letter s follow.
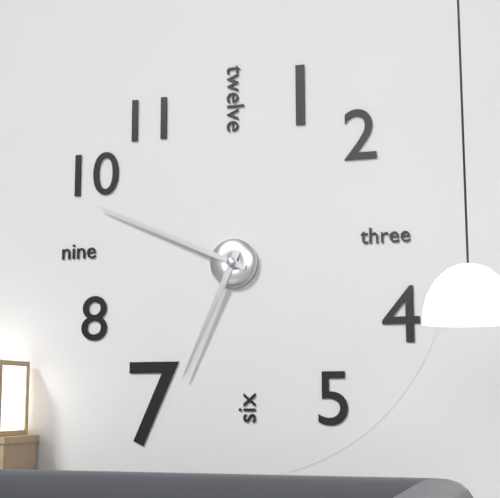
6h49
